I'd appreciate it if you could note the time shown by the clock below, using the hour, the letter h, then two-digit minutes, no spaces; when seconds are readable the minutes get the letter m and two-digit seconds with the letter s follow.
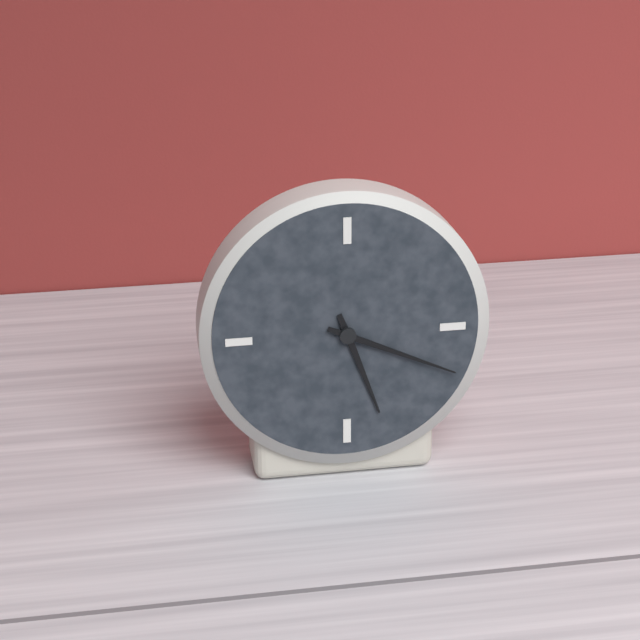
5h19
